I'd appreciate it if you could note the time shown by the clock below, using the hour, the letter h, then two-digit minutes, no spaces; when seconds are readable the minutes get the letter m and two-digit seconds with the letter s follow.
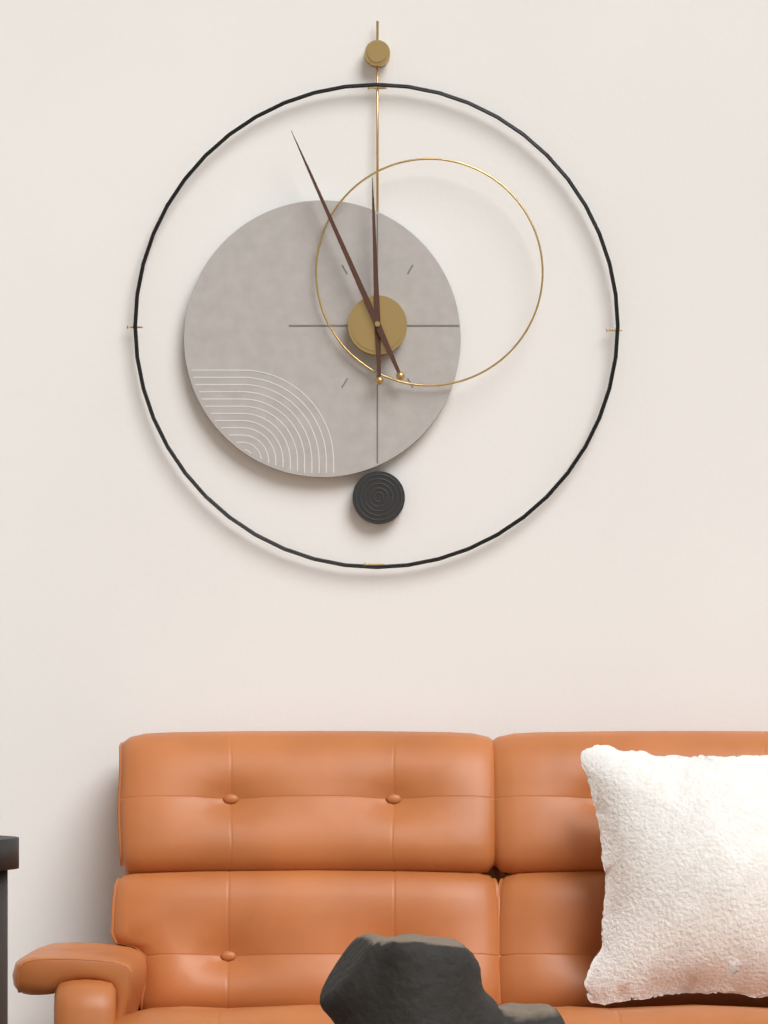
11h56
